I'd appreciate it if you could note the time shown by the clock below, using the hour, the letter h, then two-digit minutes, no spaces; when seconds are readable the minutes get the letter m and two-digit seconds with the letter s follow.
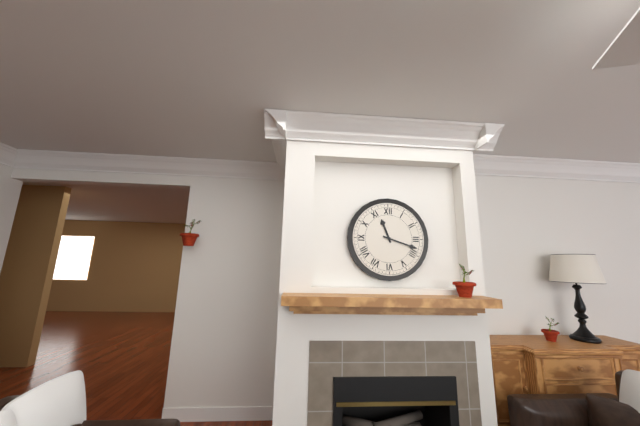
11h18
